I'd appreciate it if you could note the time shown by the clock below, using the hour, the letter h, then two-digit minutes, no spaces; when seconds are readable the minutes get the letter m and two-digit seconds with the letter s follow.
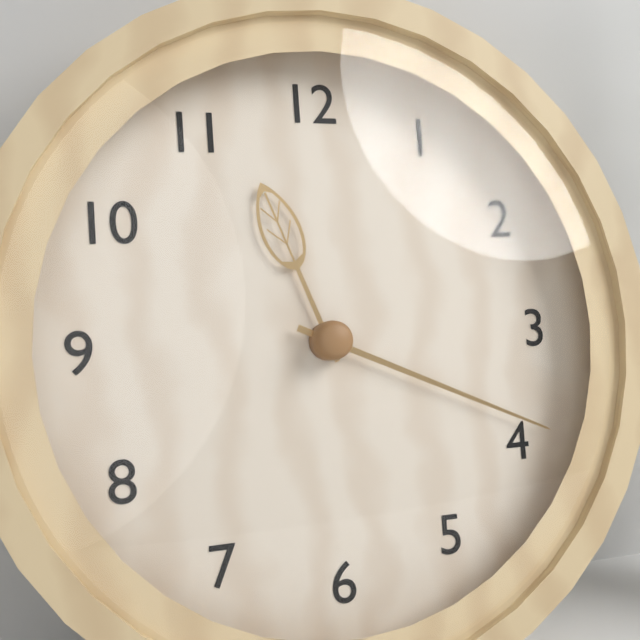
11h19
